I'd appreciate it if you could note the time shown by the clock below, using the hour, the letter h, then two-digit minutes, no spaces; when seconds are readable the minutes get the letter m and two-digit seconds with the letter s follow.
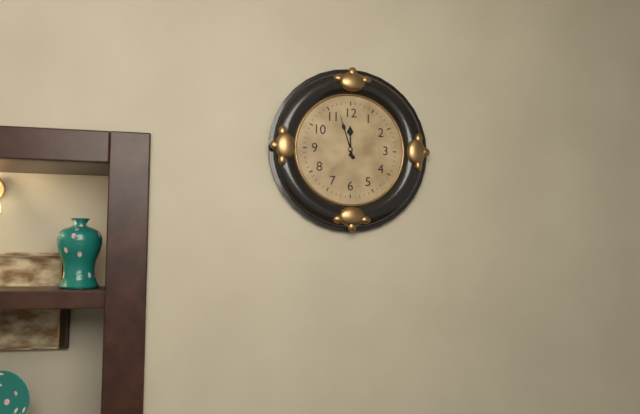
11h57
